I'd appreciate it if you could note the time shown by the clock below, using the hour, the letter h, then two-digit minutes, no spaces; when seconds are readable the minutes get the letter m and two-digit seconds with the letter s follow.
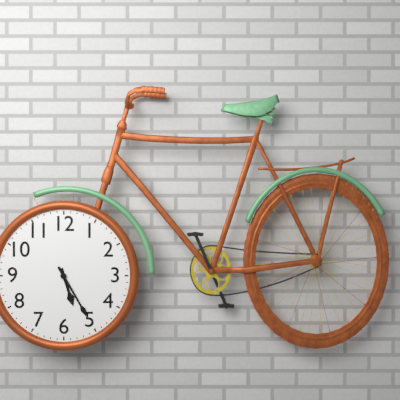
5h25
